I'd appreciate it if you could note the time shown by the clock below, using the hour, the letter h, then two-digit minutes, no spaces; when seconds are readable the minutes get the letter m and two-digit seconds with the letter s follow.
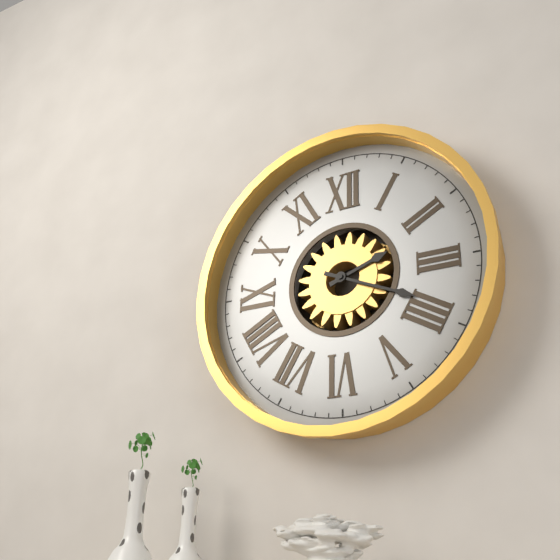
2h19
